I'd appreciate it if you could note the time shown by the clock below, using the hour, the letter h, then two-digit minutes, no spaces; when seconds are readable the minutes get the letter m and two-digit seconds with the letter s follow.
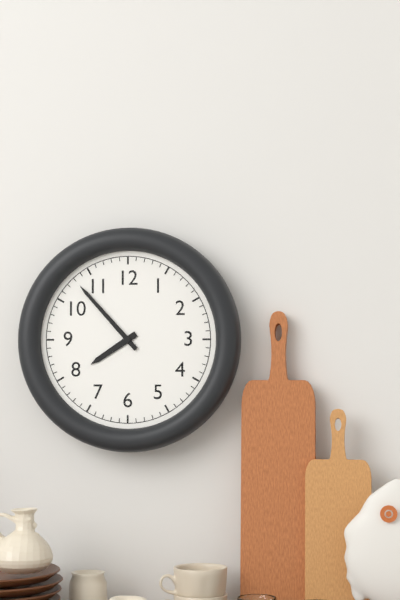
7h53
